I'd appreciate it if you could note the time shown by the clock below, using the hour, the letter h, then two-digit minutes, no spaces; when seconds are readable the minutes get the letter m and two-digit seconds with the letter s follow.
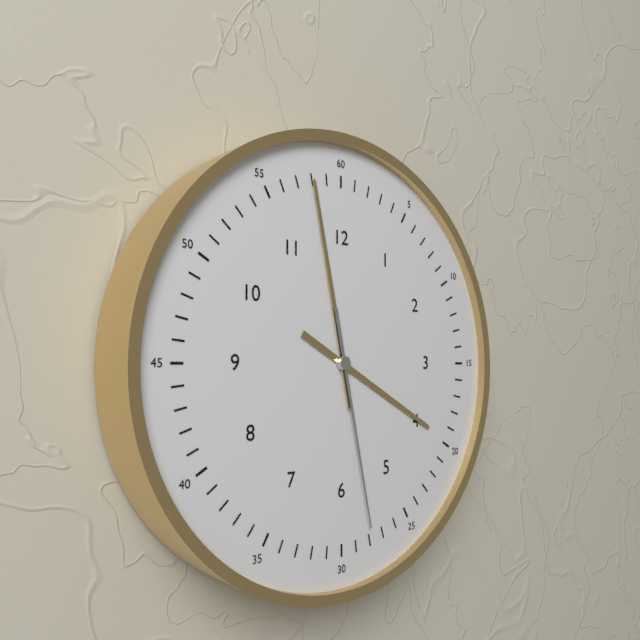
3h58m28s
